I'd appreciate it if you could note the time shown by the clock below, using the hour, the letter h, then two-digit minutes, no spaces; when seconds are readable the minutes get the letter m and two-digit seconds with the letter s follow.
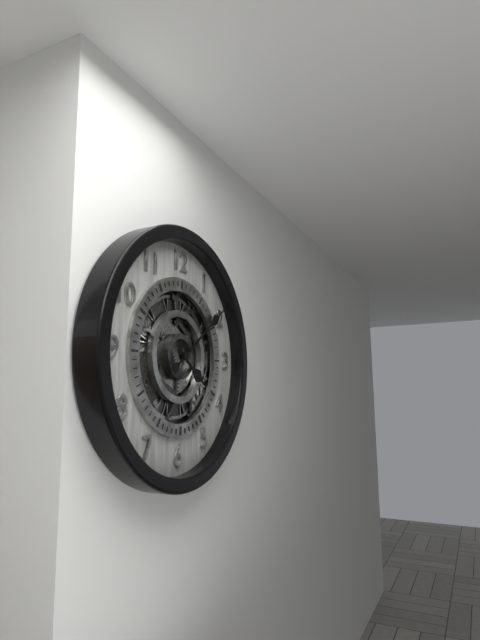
4h09
